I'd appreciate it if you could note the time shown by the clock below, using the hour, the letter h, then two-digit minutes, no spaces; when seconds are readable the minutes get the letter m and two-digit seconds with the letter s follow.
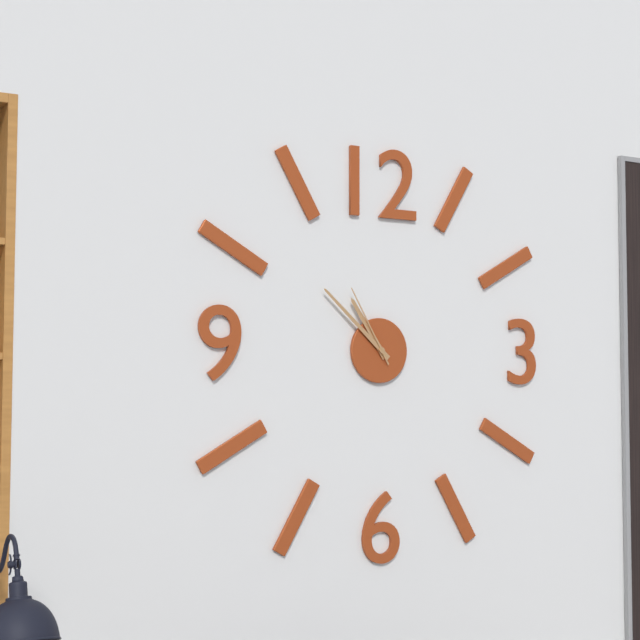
10h52m55s
